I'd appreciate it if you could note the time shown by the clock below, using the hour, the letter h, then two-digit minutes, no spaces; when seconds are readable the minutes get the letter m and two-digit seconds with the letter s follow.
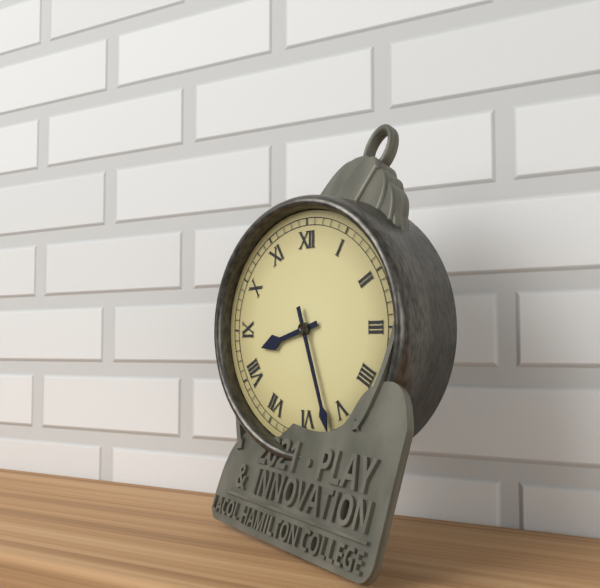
8h27
